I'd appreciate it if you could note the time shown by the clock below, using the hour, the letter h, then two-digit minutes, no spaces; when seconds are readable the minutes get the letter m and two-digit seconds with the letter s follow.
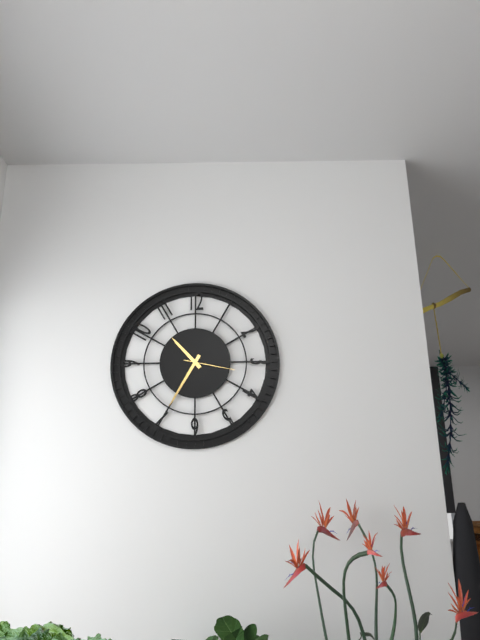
10h35
